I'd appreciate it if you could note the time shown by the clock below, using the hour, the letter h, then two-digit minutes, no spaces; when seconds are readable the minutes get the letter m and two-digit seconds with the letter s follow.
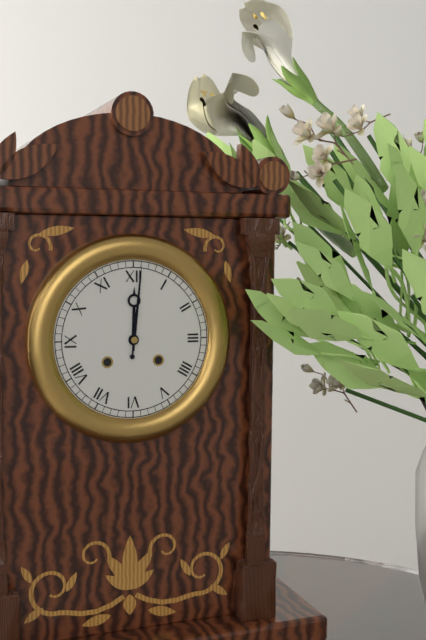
12h01
